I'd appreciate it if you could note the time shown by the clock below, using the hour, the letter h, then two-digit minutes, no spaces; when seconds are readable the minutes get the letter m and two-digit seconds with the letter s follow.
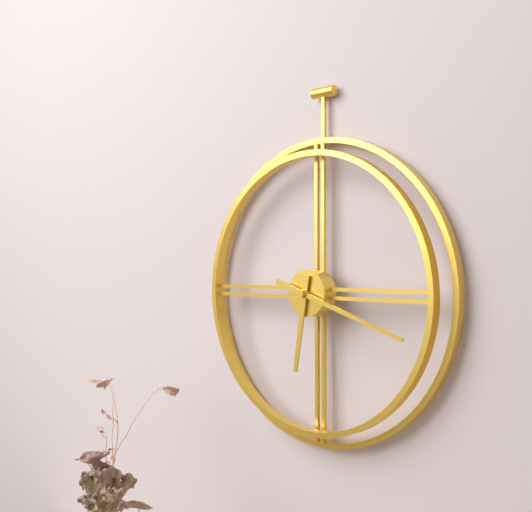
6h18
